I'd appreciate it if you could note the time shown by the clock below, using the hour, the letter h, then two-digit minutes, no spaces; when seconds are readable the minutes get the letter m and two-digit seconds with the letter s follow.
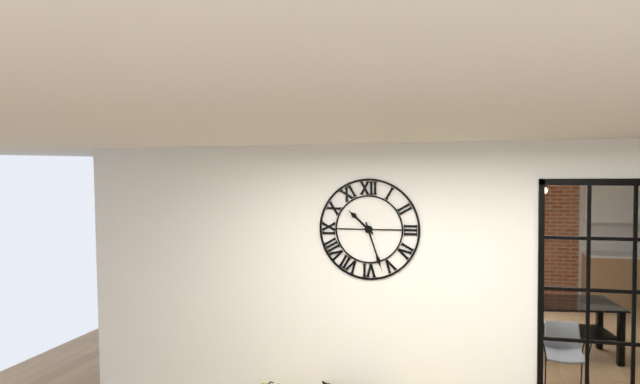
10h27
